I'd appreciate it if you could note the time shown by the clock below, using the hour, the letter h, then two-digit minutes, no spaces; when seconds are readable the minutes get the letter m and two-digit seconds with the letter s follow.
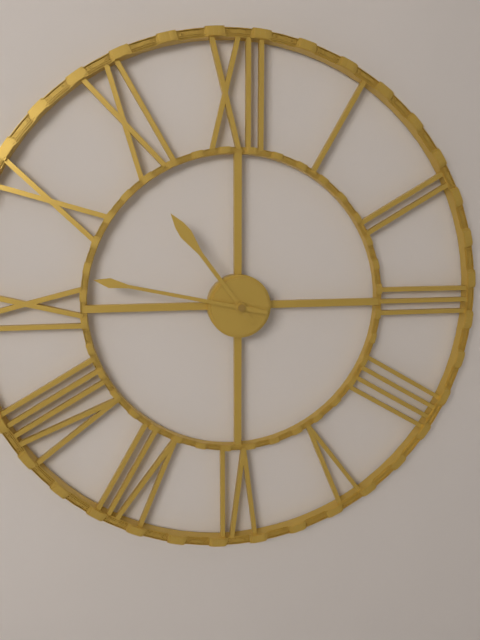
10h47
